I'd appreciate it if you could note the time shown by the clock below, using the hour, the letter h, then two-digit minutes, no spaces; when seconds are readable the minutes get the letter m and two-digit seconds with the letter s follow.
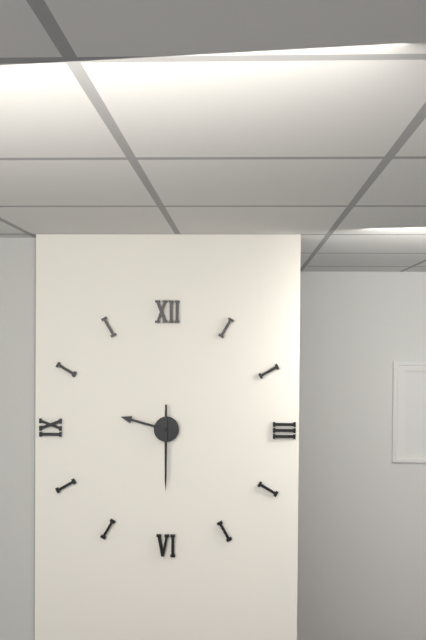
9h30
